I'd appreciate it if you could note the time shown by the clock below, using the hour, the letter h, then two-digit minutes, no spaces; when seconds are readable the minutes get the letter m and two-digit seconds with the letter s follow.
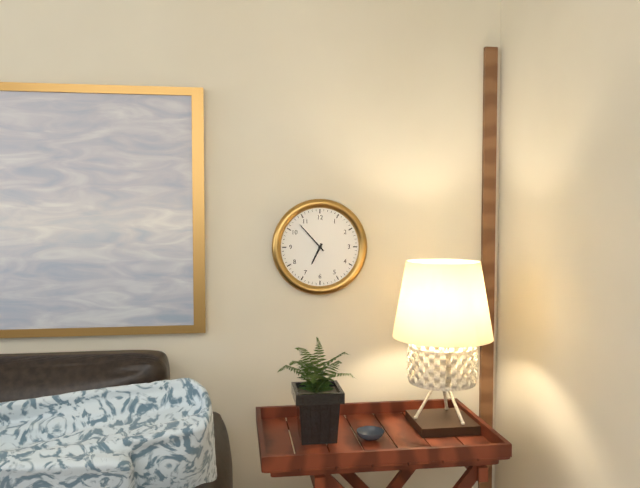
6h53
